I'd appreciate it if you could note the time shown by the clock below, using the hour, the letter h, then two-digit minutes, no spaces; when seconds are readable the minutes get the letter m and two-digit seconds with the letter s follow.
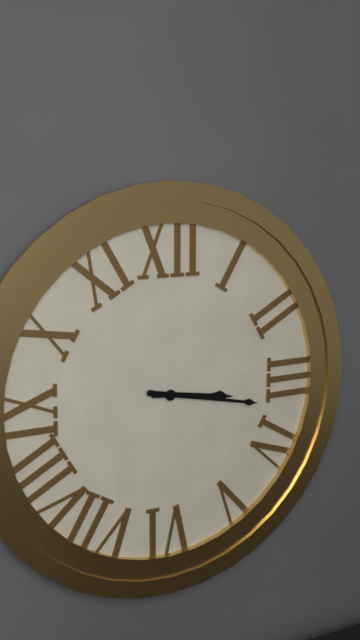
3h17
